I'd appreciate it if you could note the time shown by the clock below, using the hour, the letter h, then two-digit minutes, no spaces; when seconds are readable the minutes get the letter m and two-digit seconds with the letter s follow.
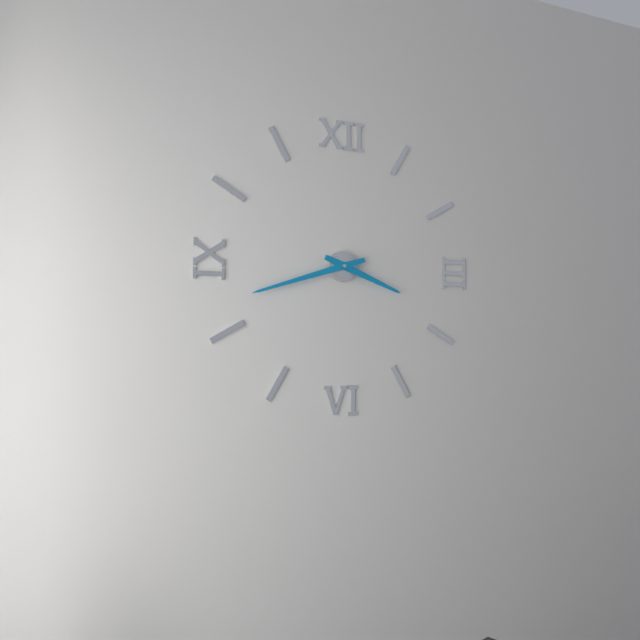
3h42
